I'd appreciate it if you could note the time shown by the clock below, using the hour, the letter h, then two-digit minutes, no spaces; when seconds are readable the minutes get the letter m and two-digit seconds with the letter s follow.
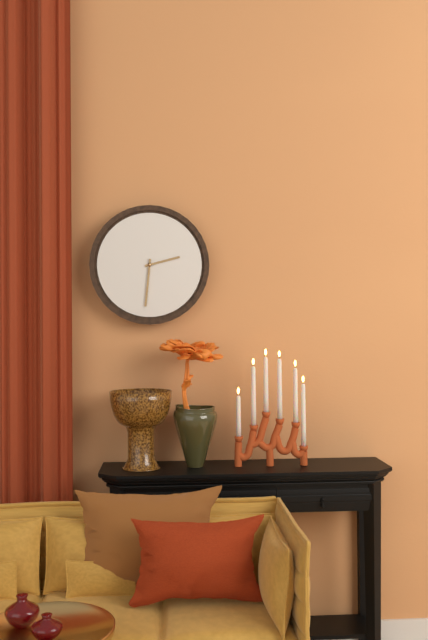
2h31
